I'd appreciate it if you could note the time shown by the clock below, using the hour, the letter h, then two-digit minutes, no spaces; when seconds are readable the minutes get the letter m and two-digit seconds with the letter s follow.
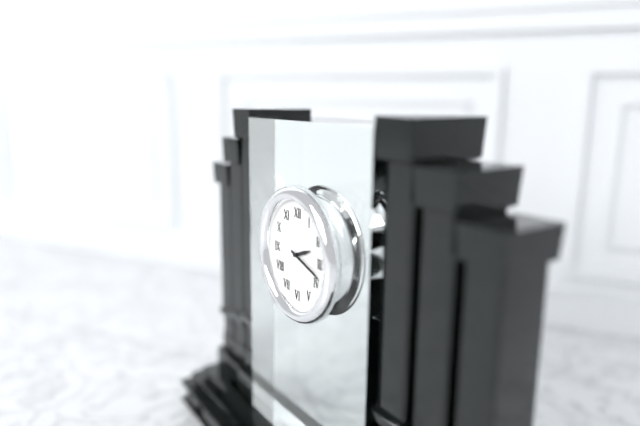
2h18
